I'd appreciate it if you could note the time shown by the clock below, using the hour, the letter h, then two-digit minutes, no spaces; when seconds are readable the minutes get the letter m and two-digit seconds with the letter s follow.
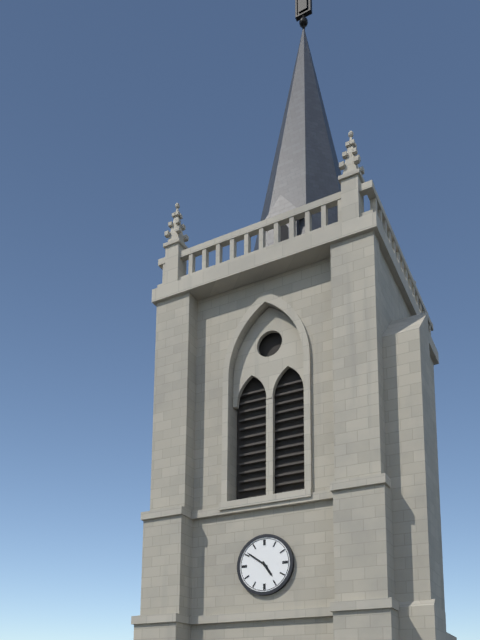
4h51
